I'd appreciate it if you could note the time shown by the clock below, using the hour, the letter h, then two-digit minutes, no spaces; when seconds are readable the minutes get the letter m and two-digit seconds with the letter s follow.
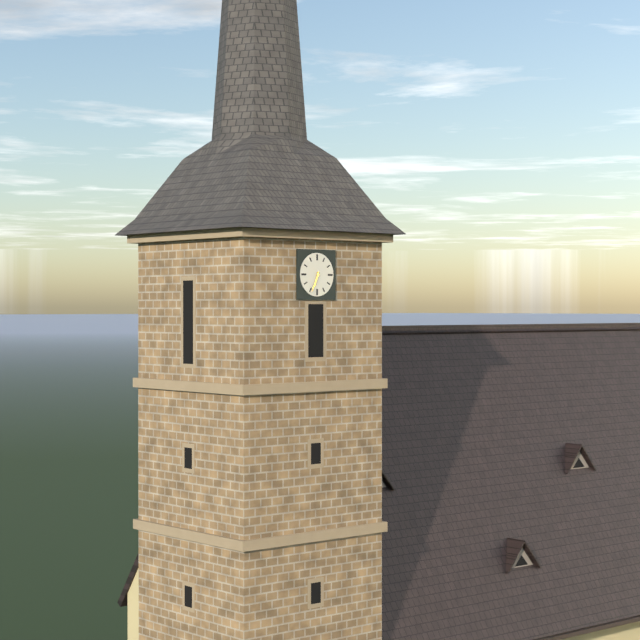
6h34
